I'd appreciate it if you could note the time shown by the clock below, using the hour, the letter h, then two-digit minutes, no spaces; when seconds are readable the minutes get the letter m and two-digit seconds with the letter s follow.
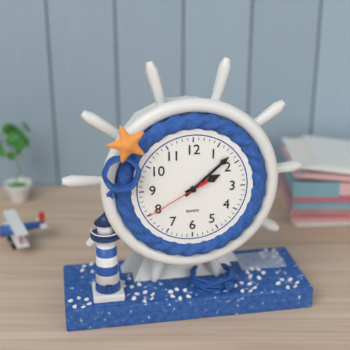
2h08m40s
